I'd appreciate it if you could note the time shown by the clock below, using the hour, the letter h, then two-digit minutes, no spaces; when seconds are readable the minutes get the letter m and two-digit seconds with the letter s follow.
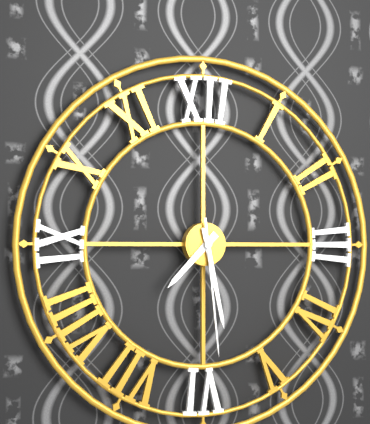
7h28m29s
